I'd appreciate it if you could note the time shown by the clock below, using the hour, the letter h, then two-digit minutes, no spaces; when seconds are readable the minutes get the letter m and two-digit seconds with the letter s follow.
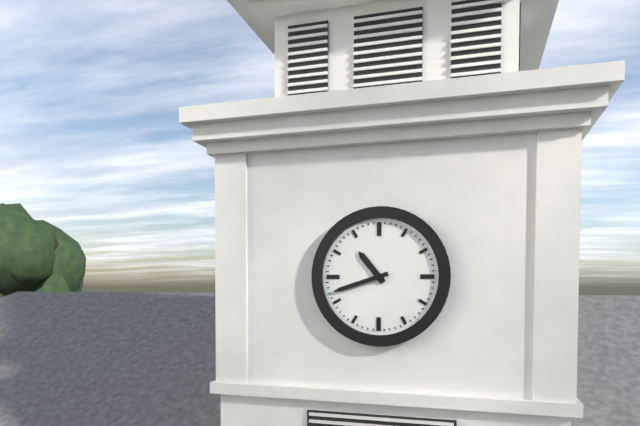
10h42
